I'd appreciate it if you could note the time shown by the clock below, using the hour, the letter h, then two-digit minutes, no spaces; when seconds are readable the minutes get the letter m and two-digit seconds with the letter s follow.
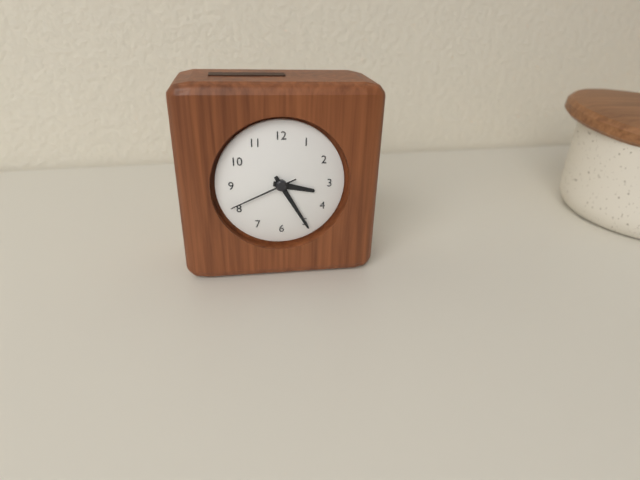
3h25m41s
